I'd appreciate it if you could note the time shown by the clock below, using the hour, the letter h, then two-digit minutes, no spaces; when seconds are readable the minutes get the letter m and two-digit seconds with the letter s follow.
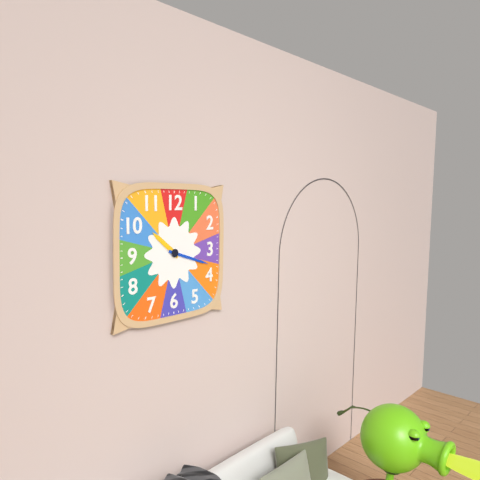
10h18
